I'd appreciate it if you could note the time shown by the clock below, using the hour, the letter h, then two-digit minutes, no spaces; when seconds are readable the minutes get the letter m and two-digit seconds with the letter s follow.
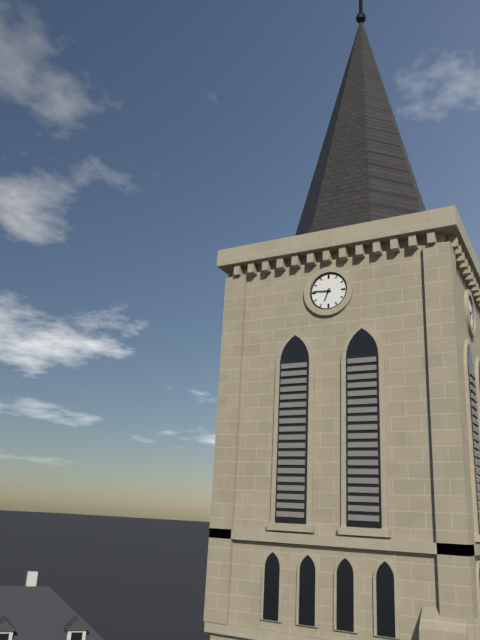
6h46
